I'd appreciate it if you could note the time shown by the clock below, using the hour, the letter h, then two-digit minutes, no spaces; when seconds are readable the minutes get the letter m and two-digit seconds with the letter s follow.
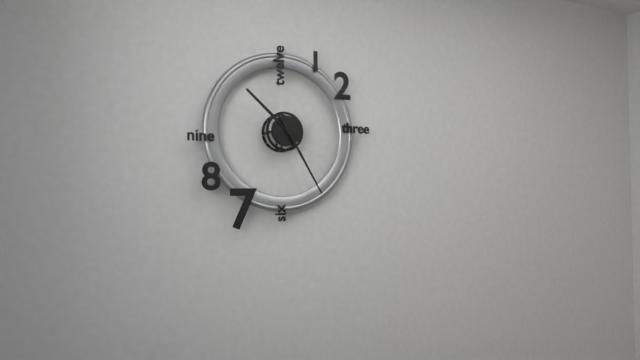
10h25
